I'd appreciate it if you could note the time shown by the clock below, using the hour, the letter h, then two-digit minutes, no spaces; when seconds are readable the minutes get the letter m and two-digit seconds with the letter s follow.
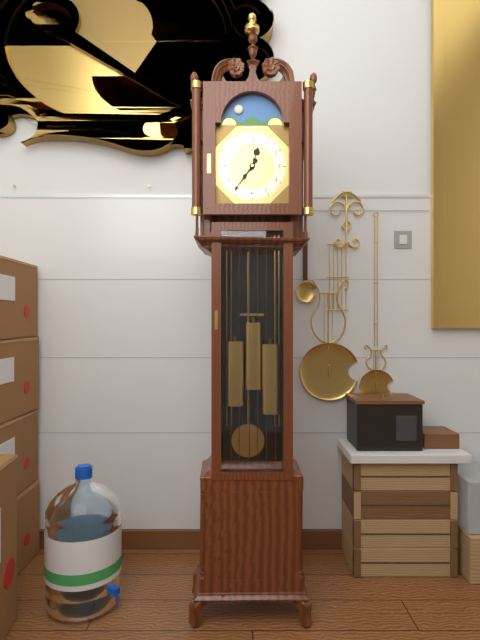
12h36
